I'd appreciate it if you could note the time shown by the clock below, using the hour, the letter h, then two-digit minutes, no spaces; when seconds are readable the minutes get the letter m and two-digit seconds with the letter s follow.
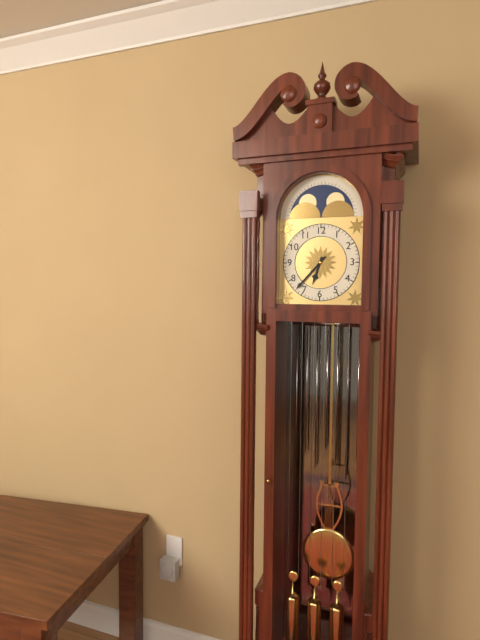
6h37
